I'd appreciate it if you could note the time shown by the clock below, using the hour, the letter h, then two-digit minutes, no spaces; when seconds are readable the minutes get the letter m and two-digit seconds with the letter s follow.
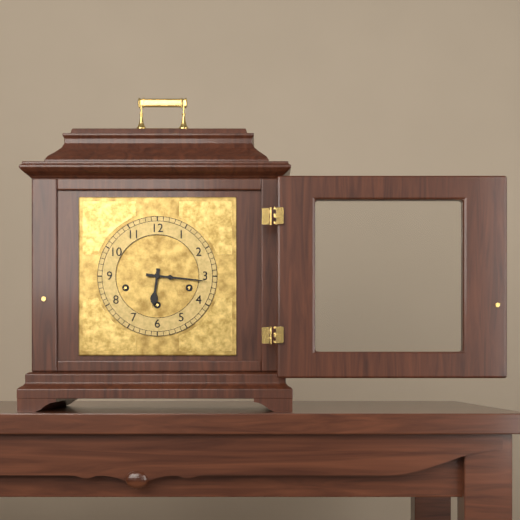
6h16
